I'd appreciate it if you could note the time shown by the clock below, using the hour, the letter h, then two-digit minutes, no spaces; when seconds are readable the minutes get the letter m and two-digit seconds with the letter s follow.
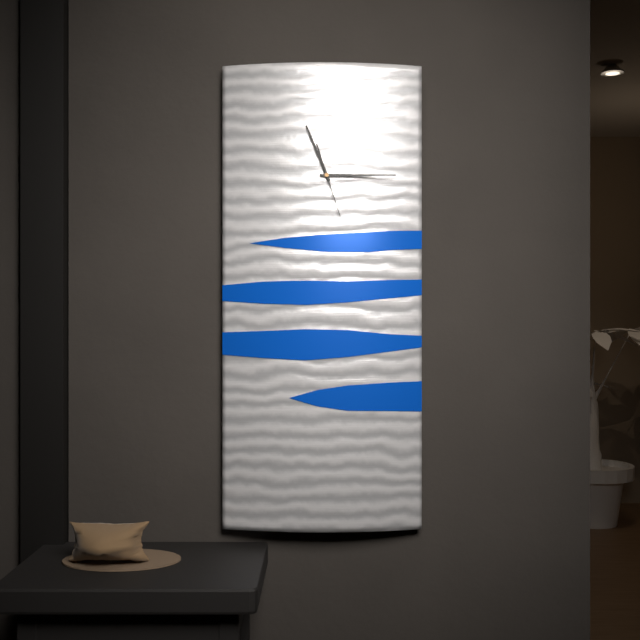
11h15
